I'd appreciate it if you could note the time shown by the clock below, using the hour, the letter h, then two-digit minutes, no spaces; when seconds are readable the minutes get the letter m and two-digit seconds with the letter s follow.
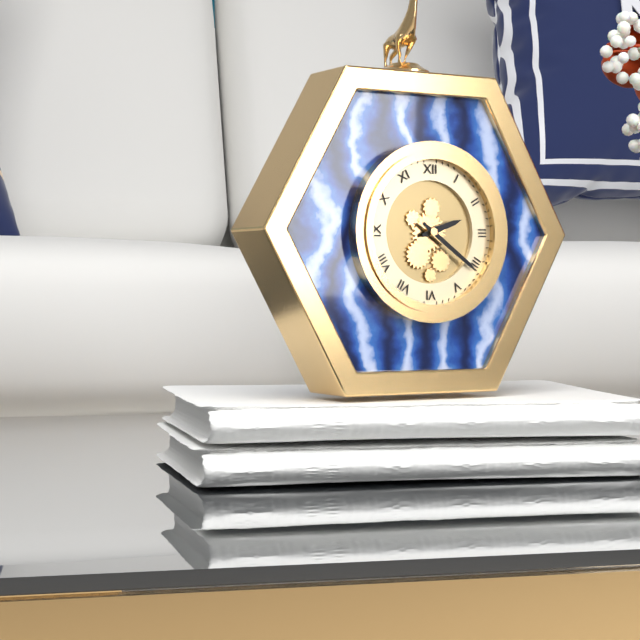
2h21
